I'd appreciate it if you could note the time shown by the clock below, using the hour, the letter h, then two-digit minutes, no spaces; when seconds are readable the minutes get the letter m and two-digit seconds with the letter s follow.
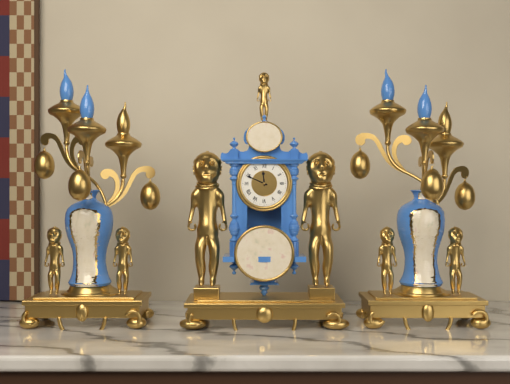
11h49
